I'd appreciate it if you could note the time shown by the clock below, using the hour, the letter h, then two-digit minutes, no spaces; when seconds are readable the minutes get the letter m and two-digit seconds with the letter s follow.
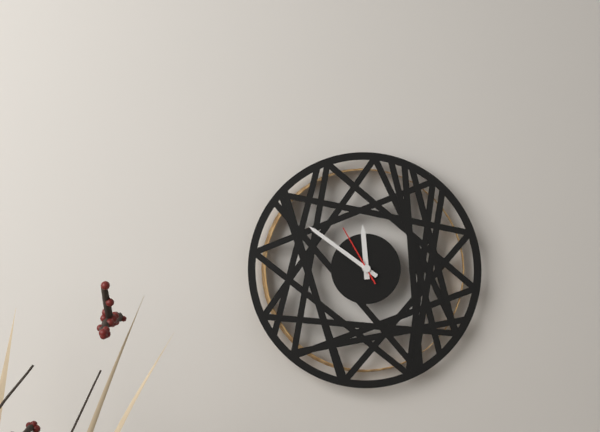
11h51m55s
